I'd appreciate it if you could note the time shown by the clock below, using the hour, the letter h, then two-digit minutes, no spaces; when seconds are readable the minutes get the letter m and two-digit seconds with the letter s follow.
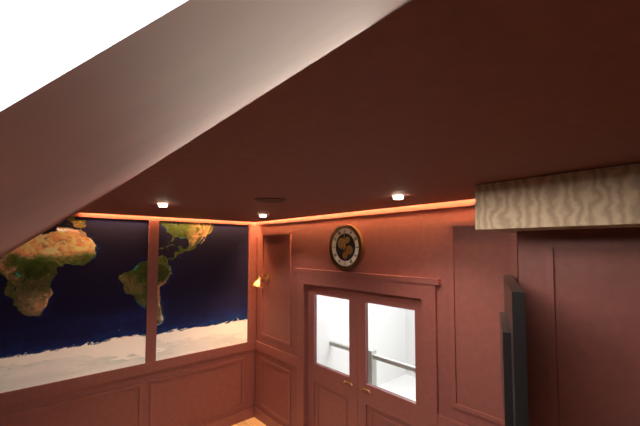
1h00
